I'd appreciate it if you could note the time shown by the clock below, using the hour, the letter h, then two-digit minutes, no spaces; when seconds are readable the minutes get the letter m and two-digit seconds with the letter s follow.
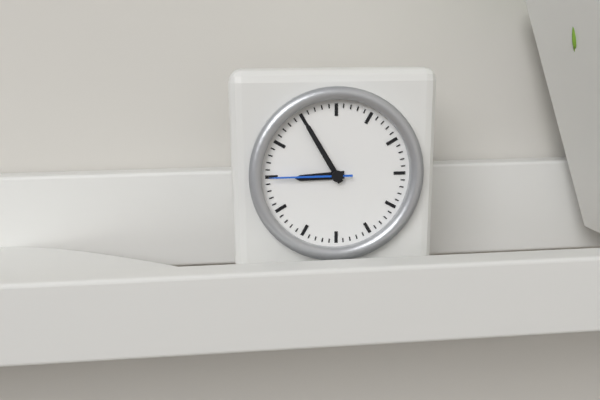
8h55m45s
